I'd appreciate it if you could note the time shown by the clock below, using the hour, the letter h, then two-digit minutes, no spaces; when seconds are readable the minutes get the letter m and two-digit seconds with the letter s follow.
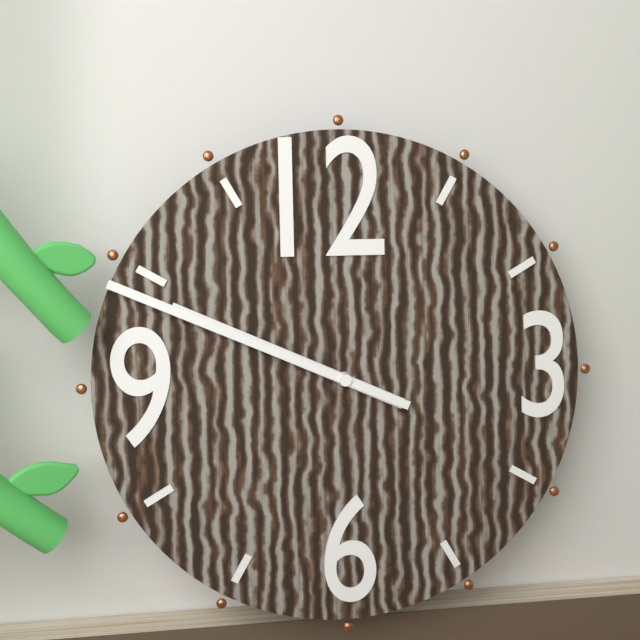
9h49
